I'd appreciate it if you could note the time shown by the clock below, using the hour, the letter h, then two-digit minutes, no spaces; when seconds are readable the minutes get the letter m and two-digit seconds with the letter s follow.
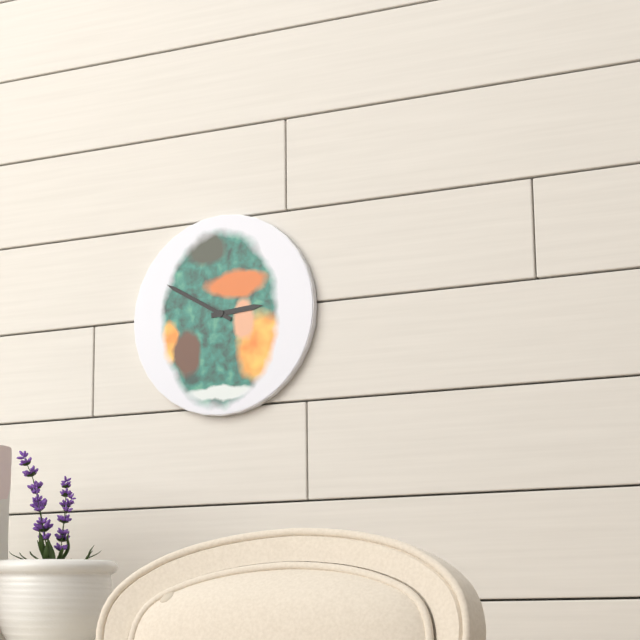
2h50
